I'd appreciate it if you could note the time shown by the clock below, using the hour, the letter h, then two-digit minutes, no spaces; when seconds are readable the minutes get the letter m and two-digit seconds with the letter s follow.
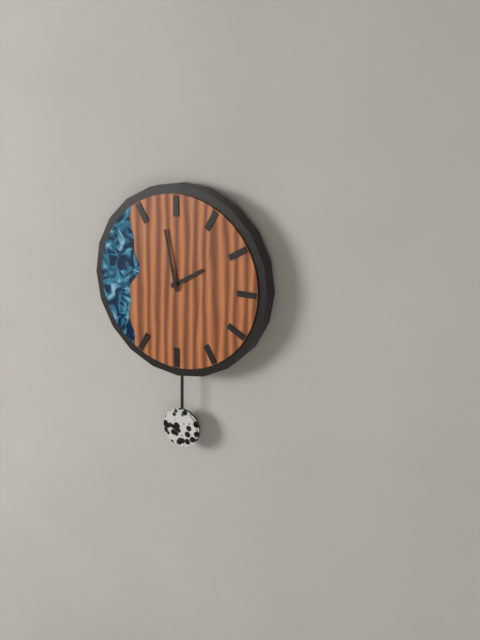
1h58
